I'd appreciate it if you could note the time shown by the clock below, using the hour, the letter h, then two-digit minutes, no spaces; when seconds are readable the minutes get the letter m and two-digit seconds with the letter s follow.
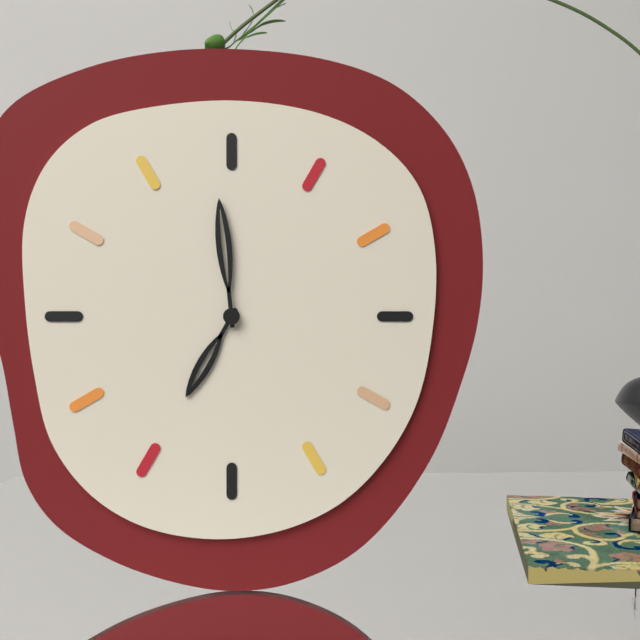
6h59
